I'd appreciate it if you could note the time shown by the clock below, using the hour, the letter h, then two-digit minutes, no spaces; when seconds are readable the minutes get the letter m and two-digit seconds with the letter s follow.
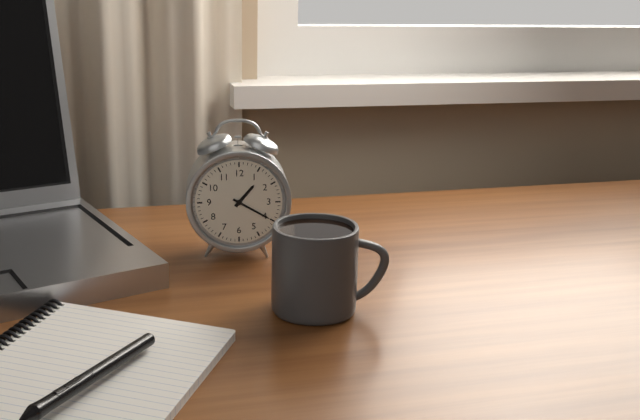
1h20
